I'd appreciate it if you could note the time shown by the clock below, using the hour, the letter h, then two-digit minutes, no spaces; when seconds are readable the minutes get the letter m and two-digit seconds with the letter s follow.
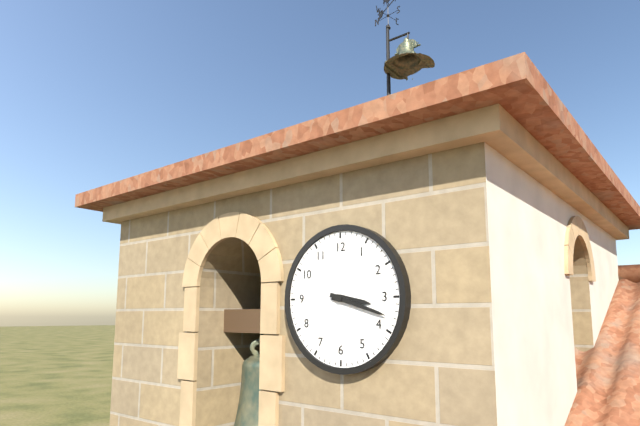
3h18
